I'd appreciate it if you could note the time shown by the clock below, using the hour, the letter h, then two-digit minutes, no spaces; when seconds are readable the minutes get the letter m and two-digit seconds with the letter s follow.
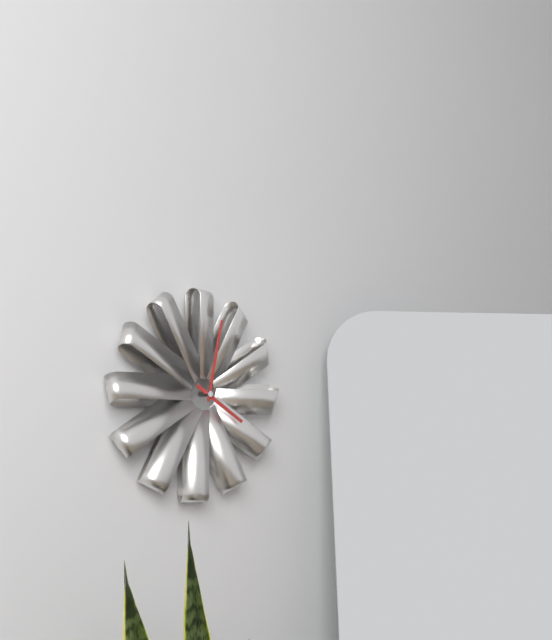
4h02
